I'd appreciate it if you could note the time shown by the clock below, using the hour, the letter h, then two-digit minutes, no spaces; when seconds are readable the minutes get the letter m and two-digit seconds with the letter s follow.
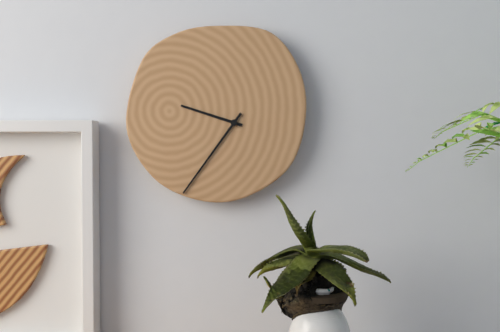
9h36
